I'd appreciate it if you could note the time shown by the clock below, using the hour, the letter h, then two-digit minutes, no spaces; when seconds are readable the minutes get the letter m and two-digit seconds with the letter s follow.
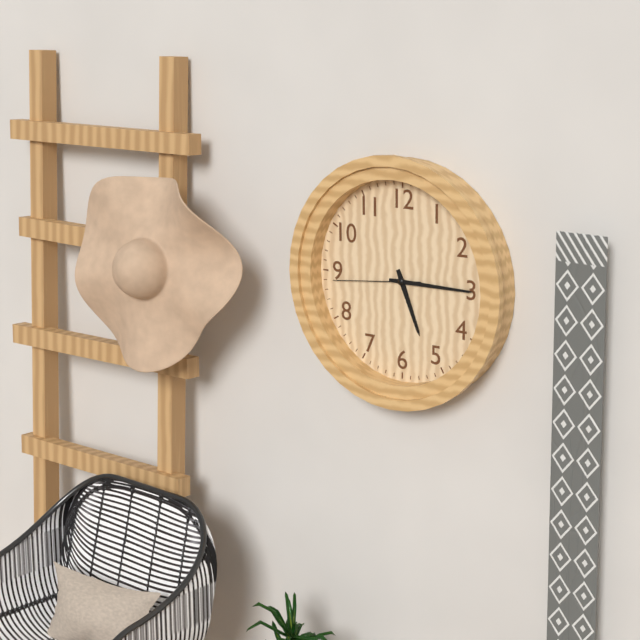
5h15m44s
